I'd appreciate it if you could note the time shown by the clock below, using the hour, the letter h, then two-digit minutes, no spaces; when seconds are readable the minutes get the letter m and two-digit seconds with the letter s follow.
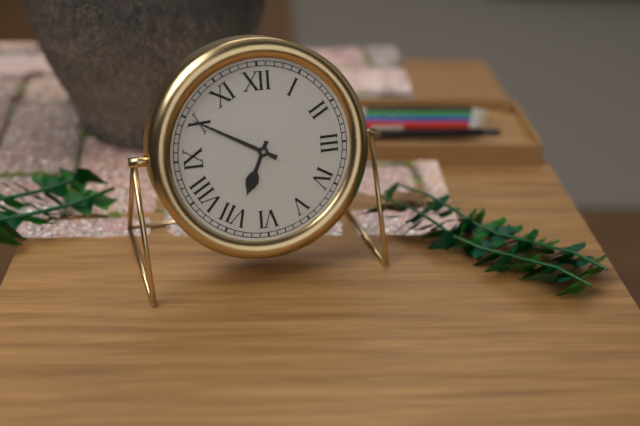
6h50
